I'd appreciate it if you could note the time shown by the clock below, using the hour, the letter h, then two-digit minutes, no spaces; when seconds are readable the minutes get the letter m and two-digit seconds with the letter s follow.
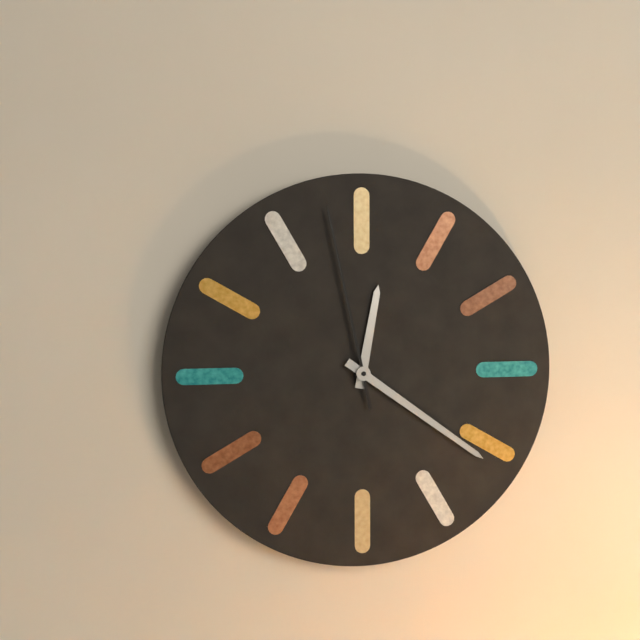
12h21m58s
